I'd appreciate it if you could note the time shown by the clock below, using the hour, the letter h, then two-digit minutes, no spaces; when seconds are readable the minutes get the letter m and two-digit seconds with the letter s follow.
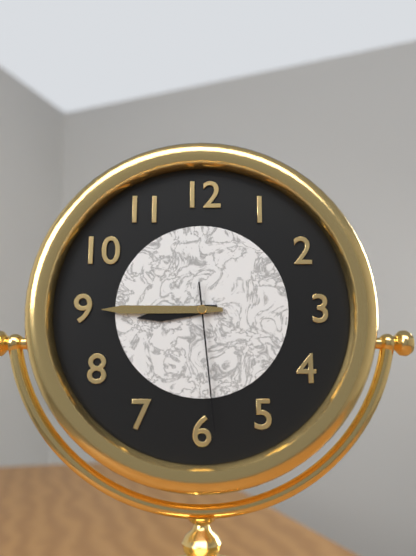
8h45m29s
